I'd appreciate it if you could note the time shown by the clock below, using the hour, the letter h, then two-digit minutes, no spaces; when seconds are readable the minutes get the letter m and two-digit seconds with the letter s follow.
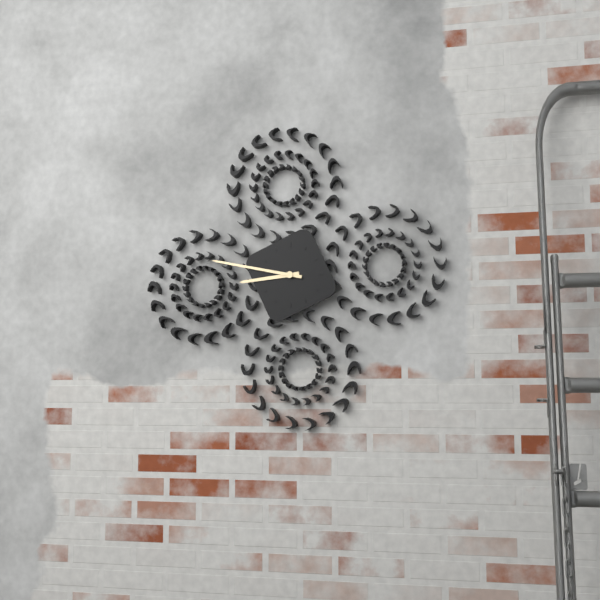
8h47
